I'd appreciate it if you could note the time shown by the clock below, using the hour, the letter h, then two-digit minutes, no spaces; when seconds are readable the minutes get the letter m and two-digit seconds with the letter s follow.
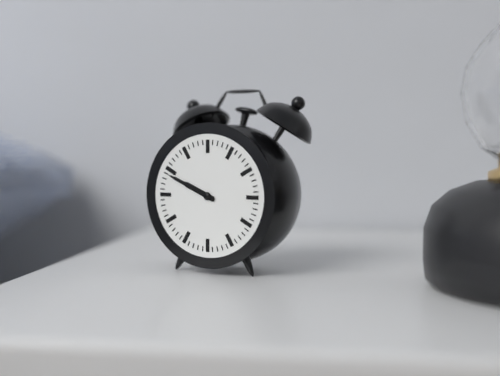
9h49
